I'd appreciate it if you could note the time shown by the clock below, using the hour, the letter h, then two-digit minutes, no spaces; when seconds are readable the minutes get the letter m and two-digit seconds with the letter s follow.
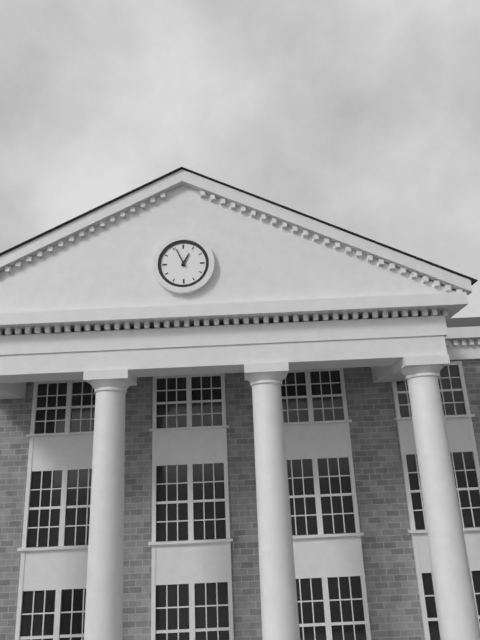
12h56
